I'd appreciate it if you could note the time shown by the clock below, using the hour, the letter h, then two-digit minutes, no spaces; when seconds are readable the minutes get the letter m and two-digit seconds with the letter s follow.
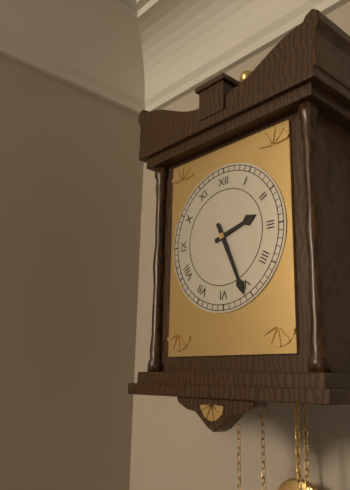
2h26
